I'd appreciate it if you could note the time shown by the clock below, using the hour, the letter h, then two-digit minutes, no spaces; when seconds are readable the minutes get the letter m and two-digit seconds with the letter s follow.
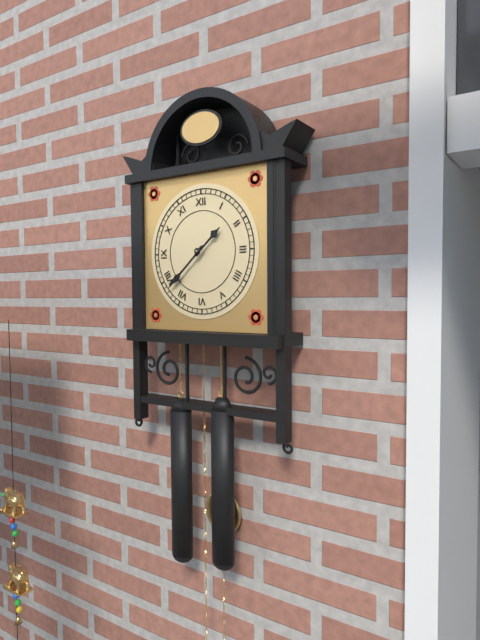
1h38
